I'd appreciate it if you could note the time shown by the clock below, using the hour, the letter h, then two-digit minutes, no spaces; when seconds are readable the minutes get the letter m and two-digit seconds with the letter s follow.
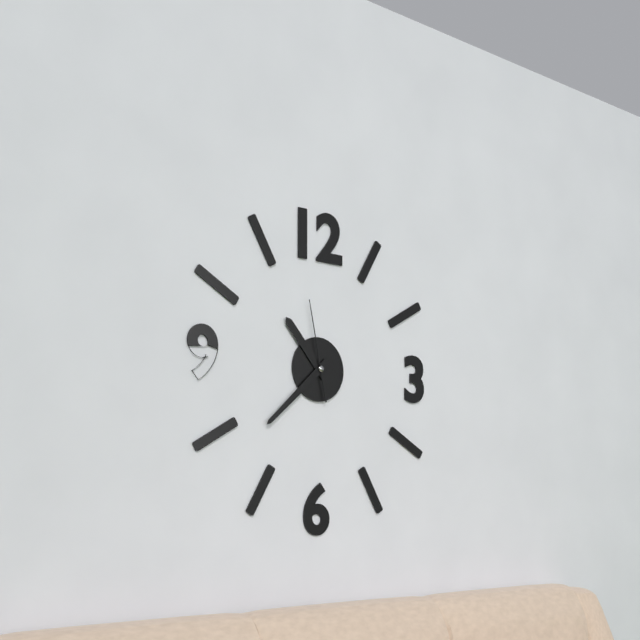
10h38m58s
